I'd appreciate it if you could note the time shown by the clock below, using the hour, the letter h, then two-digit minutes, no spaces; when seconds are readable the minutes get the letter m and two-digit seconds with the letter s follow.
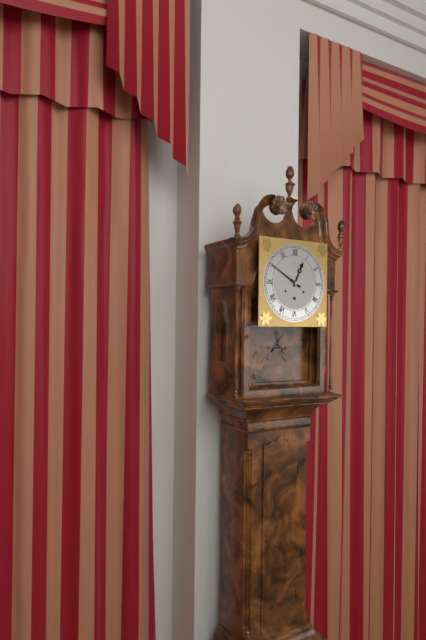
12h50
